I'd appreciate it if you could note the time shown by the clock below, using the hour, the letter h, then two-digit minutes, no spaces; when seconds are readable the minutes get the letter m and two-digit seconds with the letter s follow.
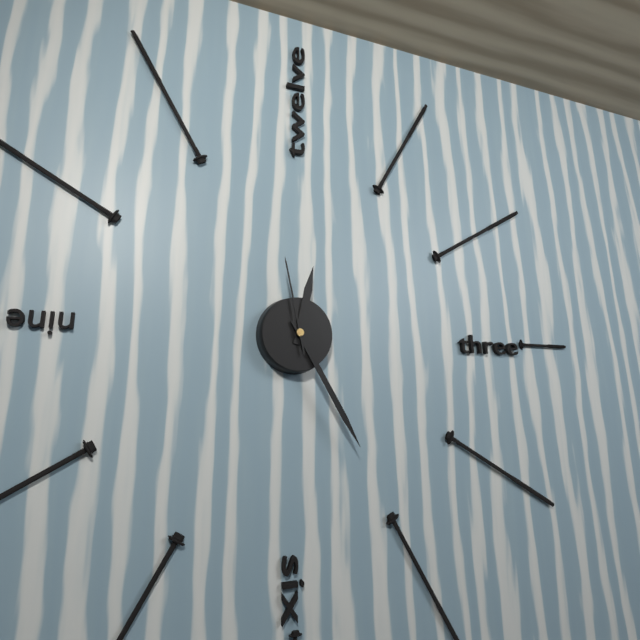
12h25m58s
